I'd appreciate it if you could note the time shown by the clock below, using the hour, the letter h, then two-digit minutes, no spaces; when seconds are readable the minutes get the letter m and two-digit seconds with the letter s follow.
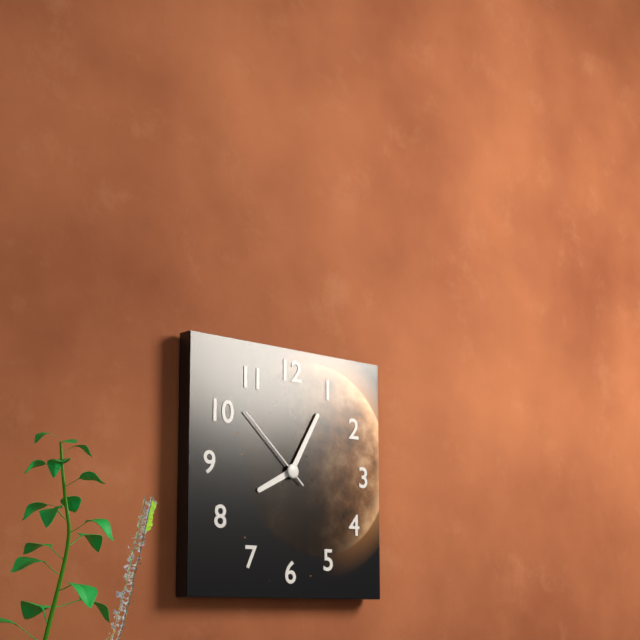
8h05m52s
